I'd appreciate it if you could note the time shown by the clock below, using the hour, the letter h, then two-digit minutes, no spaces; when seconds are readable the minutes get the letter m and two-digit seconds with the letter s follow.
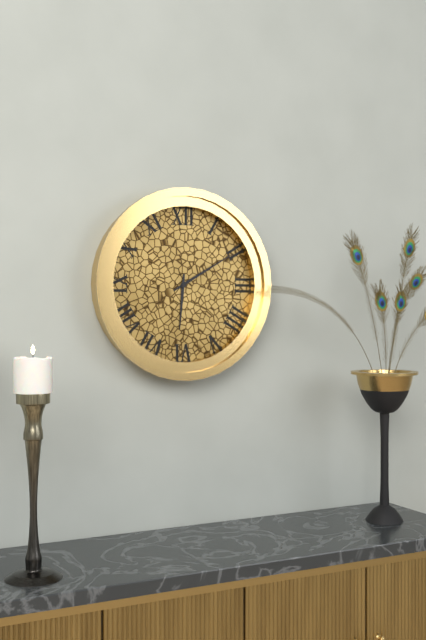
6h10
